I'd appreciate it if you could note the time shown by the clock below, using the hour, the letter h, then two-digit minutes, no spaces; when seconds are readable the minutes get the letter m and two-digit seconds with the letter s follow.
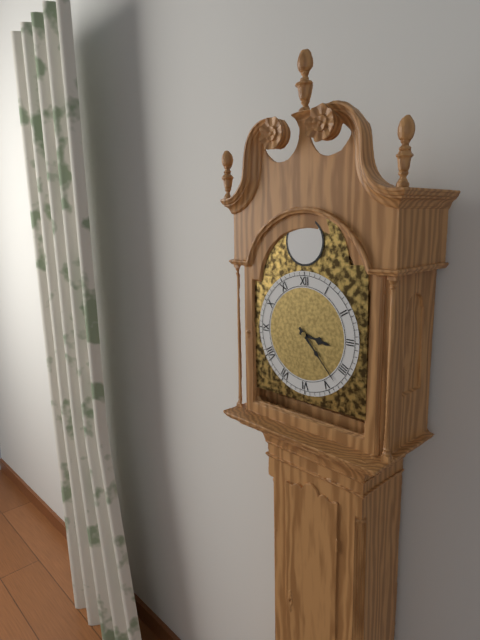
3h23
